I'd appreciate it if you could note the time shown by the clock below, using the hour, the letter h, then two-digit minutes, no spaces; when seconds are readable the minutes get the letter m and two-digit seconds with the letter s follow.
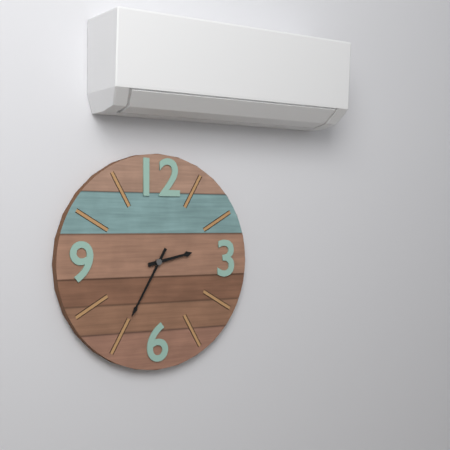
2h35
